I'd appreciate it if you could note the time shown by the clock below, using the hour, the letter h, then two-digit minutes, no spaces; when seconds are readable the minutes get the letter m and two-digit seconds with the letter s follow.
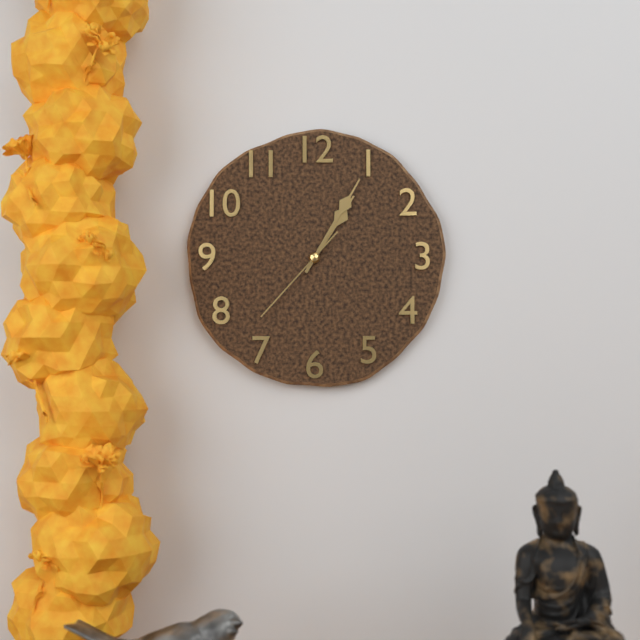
1h05m37s
